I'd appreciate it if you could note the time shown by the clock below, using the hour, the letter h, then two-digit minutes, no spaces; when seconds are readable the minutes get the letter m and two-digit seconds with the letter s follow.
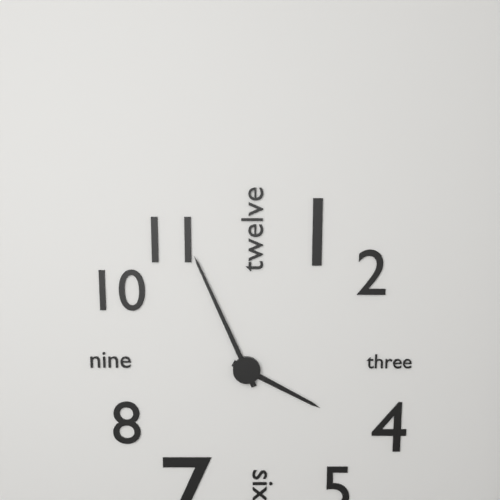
3h56
